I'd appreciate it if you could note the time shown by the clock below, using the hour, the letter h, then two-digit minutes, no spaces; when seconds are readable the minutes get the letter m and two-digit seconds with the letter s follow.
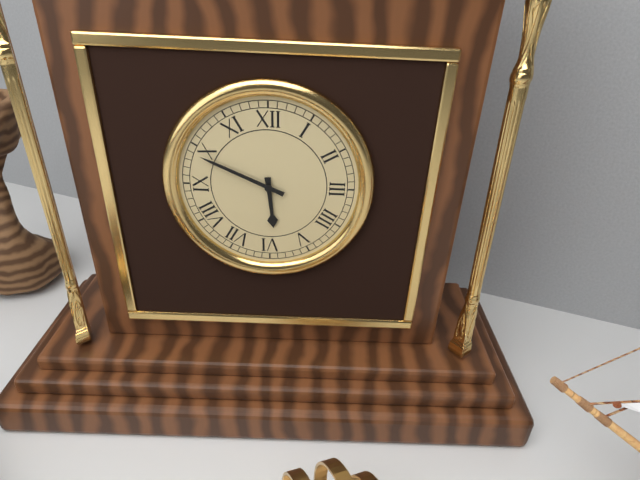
5h49
